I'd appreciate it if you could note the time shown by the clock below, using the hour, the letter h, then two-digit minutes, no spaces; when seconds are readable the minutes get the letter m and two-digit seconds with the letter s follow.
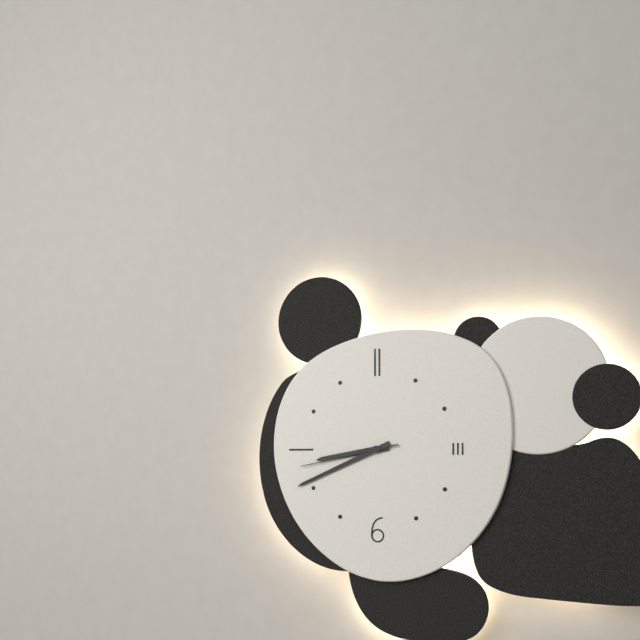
8h41m43s
